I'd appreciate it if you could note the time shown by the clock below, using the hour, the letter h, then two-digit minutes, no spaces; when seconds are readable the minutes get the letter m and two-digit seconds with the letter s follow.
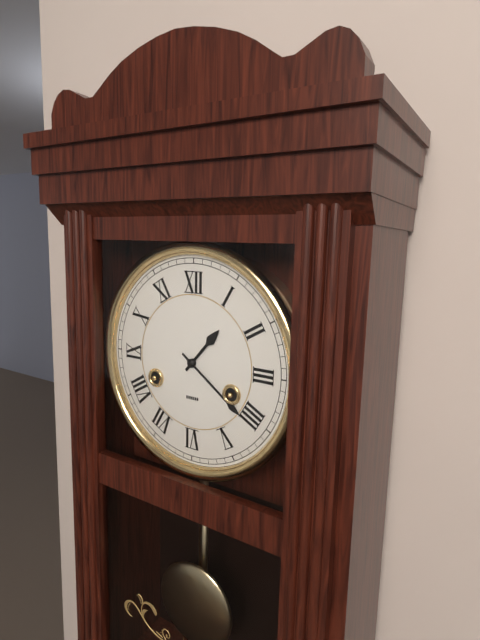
1h21
